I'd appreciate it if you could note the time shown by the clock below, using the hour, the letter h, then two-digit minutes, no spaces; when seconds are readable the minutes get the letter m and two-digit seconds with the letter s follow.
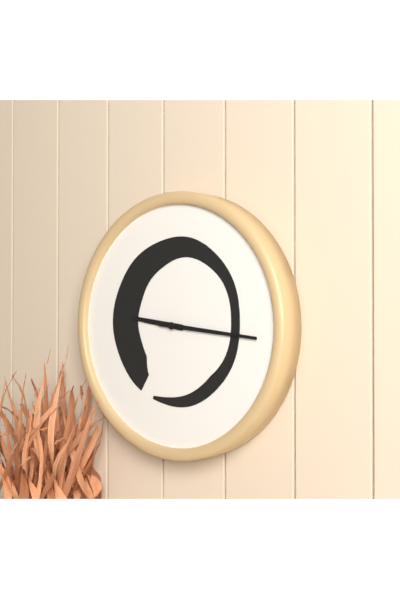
9h16
